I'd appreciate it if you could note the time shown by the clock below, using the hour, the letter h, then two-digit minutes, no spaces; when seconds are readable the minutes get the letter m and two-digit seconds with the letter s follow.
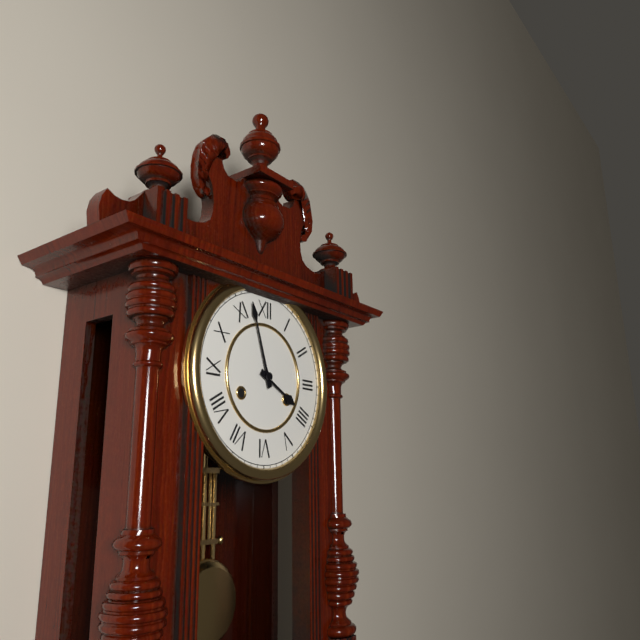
3h57
